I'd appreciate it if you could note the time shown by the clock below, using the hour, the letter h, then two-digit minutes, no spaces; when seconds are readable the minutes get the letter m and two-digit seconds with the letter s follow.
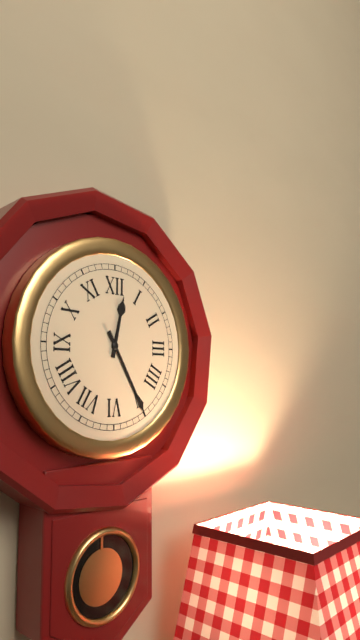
12h25
